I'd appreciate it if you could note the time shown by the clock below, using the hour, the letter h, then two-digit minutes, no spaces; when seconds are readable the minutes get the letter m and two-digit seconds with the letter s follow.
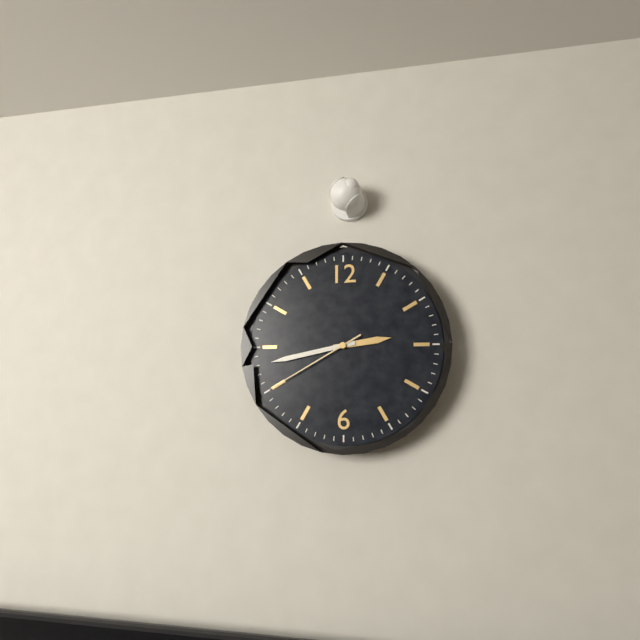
2h43m40s
